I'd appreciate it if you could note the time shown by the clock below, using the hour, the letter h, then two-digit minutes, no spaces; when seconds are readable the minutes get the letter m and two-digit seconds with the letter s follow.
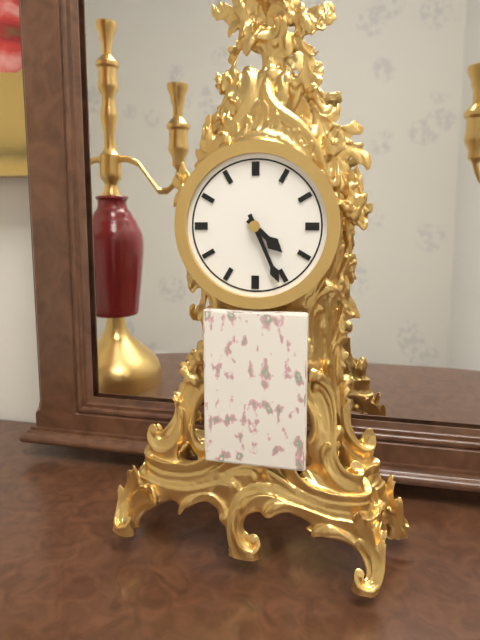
4h26
